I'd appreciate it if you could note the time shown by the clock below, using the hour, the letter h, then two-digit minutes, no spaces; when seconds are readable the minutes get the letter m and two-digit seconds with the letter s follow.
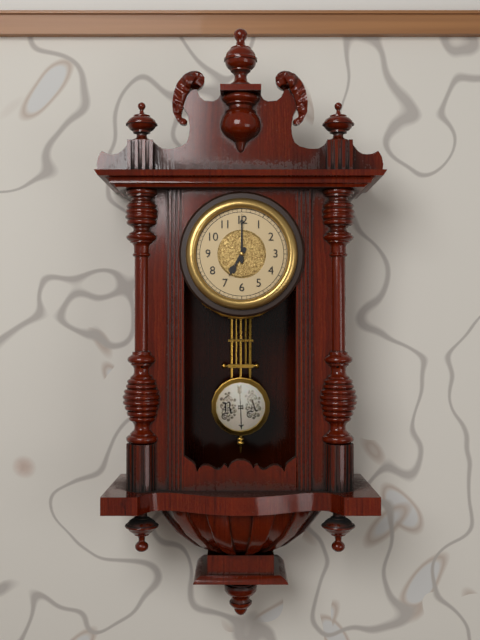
7h00
